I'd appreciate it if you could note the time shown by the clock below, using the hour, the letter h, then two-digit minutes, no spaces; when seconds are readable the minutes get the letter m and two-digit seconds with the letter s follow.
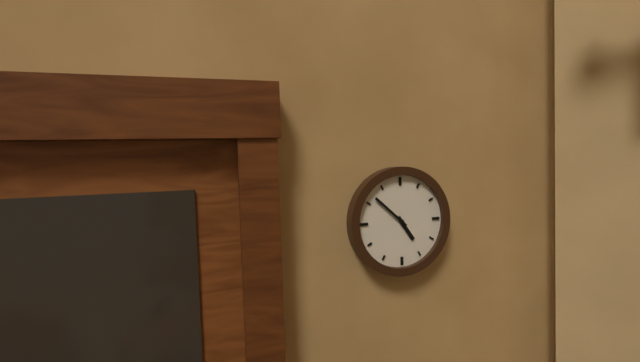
4h52
